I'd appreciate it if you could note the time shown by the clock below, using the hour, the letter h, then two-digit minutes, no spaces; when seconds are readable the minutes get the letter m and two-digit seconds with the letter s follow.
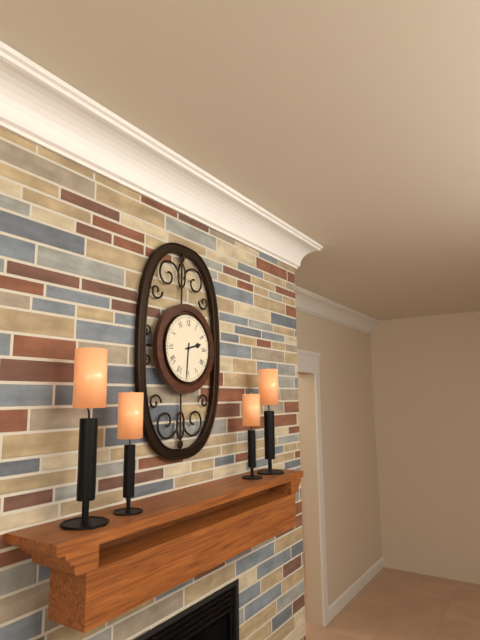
2h31
